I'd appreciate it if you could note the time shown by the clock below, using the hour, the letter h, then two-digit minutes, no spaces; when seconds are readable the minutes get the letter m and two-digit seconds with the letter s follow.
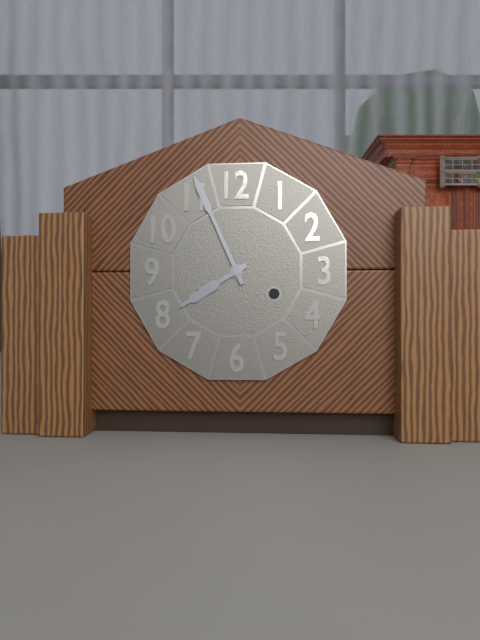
7h56
